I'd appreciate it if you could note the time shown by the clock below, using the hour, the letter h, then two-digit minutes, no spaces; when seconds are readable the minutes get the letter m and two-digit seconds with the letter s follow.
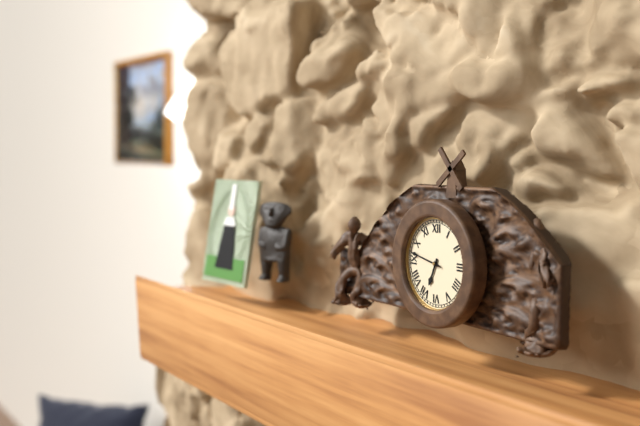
6h47
